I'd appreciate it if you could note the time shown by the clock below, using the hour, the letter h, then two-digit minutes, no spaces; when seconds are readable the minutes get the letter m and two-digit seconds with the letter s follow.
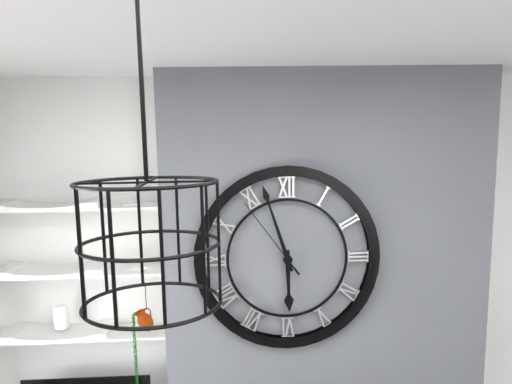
5h57m54s
